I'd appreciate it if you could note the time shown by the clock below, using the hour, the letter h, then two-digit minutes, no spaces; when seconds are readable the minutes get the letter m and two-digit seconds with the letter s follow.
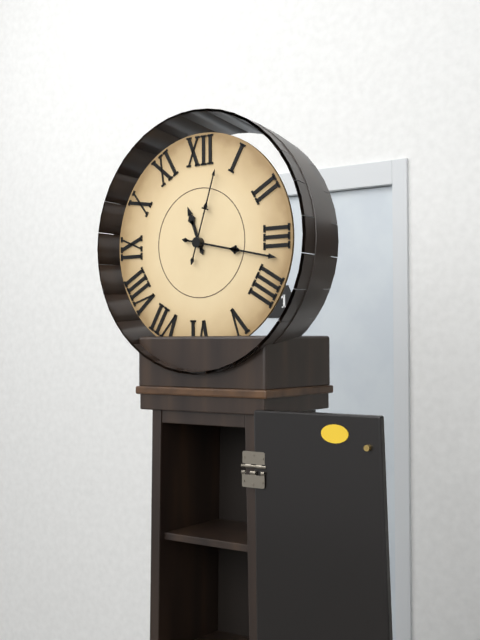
11h17m03s
